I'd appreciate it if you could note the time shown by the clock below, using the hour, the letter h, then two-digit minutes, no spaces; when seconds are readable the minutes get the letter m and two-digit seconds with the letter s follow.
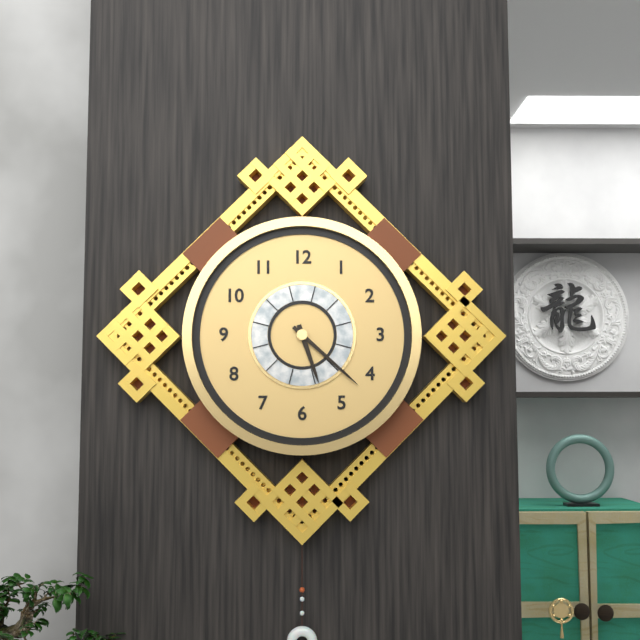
5h22
